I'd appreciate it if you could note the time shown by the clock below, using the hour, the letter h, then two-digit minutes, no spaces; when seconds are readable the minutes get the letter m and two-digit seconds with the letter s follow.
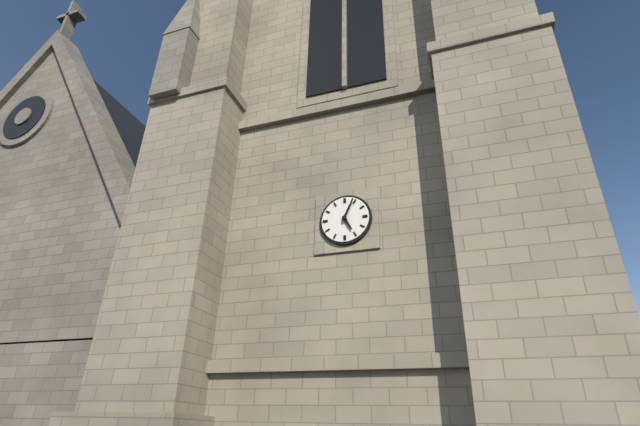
5h04
